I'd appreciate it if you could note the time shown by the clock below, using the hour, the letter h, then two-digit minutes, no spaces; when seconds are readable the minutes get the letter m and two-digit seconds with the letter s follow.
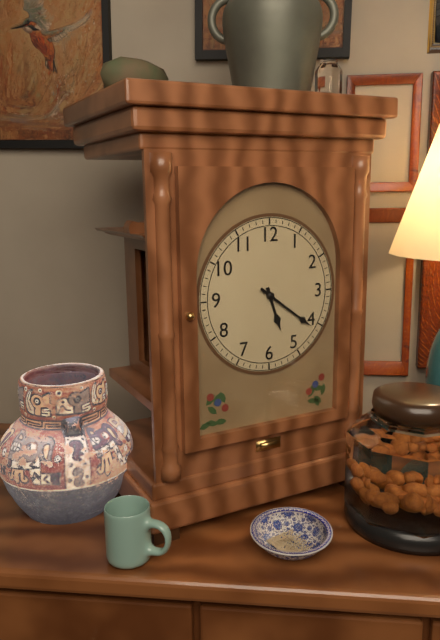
5h21
